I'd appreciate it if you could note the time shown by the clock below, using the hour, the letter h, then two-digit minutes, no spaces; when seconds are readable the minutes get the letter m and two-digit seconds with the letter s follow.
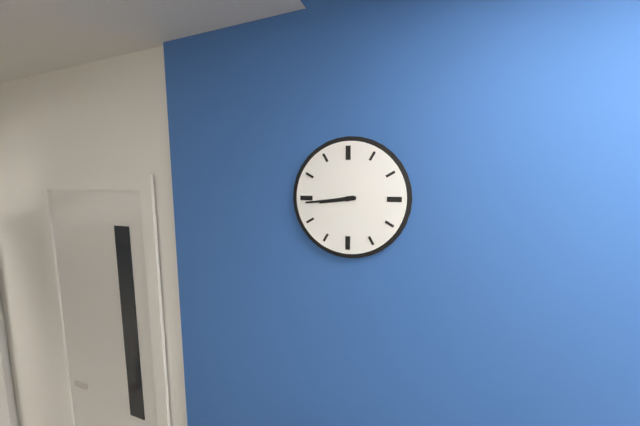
8h44
